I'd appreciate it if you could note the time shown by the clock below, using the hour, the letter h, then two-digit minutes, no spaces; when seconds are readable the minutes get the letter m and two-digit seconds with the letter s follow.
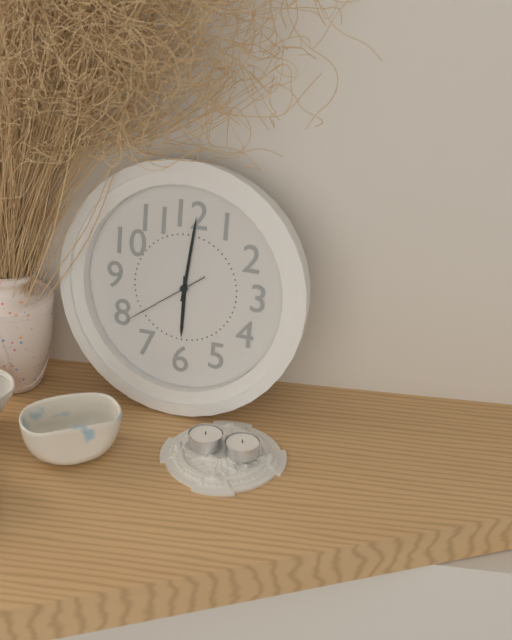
6h01m39s
